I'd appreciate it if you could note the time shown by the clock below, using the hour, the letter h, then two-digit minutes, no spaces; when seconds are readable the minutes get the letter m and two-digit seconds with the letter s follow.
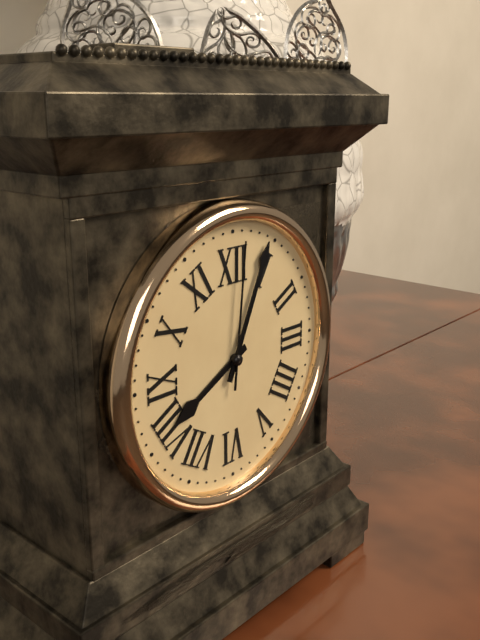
8h04m01s
